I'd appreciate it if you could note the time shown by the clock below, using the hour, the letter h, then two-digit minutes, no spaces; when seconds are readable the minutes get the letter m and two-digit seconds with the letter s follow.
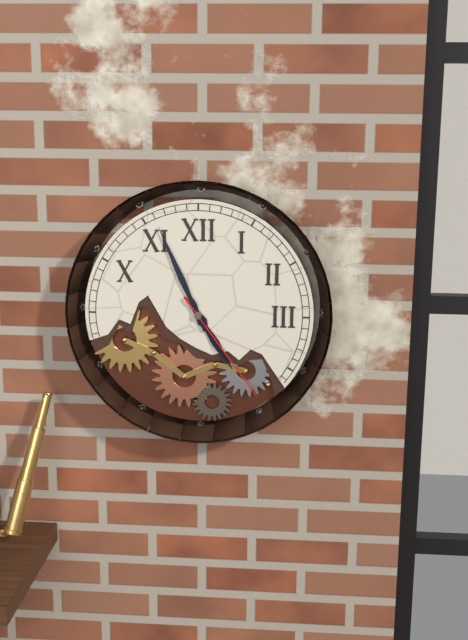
4h56m24s
